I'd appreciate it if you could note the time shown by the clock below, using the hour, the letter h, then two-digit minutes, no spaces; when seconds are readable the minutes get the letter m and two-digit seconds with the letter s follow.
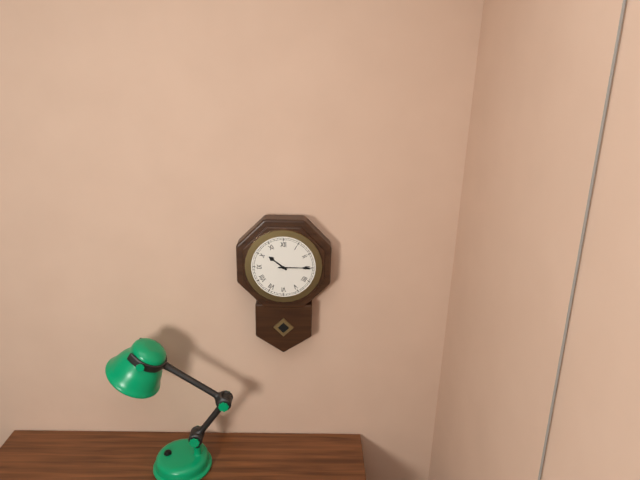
10h15
